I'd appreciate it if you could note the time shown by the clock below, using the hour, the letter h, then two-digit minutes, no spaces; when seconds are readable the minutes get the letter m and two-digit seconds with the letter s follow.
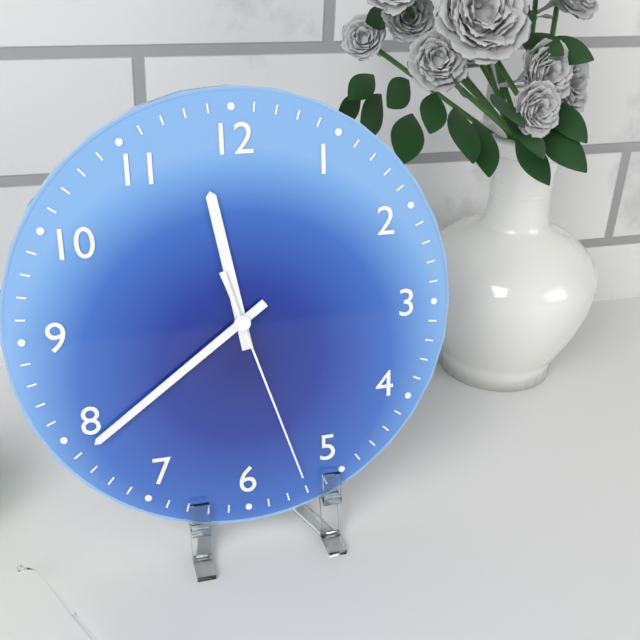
11h39m27s
